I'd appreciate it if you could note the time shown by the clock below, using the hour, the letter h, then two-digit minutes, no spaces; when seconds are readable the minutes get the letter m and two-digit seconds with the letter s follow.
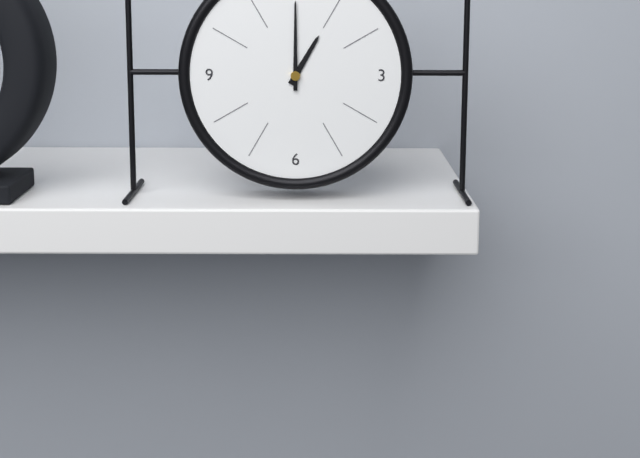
1h00
